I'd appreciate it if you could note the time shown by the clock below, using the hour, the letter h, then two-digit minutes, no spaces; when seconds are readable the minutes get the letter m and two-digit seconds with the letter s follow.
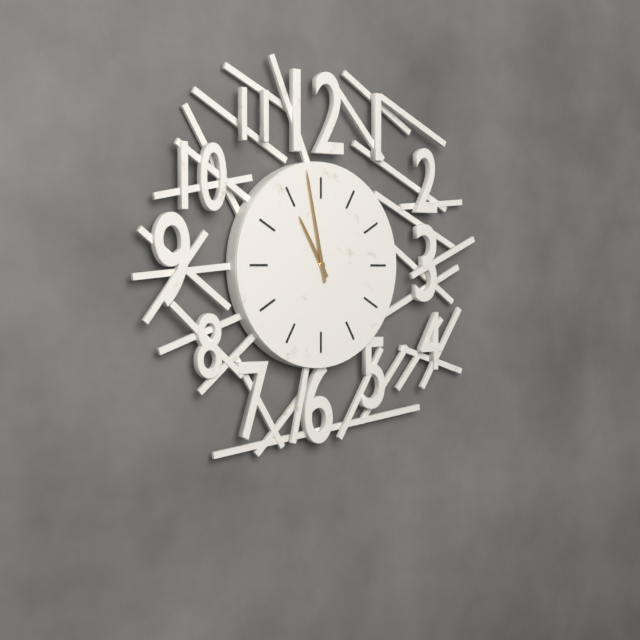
10h58
